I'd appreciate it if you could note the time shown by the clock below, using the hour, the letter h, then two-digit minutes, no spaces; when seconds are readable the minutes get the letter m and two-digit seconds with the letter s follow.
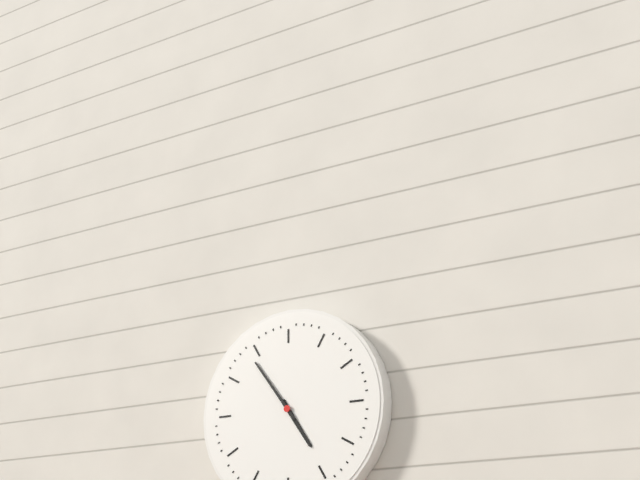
4h54
